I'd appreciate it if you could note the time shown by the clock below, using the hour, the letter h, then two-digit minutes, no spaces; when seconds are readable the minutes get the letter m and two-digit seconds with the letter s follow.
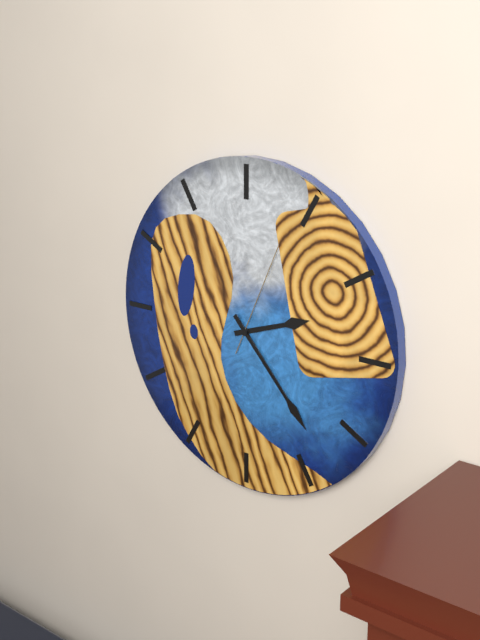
2h23m04s
